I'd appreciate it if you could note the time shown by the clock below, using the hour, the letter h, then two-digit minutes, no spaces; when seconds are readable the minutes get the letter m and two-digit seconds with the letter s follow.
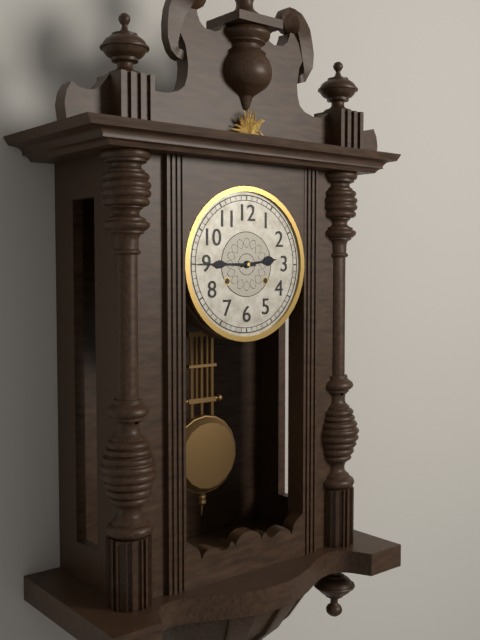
2h45
